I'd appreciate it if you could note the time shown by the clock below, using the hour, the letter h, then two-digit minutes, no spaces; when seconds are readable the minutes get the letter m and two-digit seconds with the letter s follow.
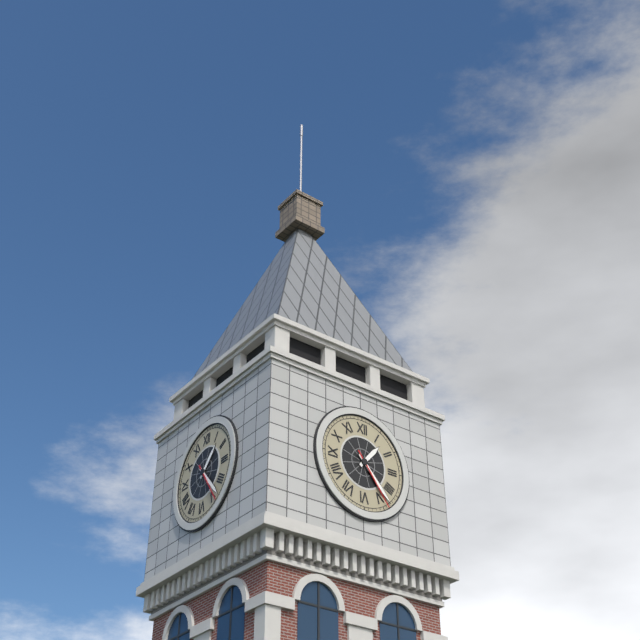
1h23m24s
